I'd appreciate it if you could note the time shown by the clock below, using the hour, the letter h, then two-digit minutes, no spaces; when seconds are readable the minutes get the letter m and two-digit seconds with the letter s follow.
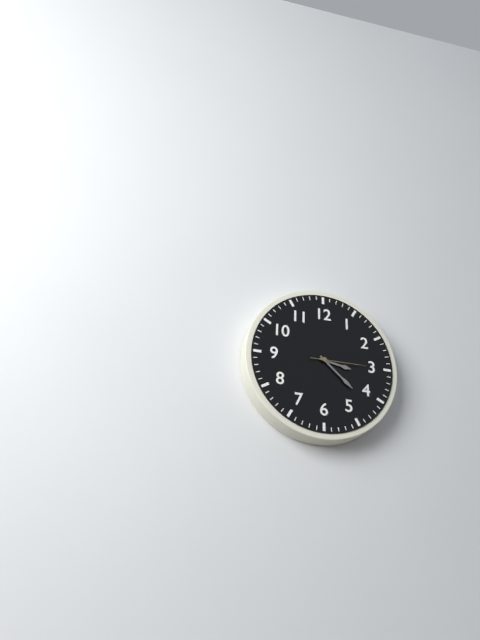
3h22m15s
